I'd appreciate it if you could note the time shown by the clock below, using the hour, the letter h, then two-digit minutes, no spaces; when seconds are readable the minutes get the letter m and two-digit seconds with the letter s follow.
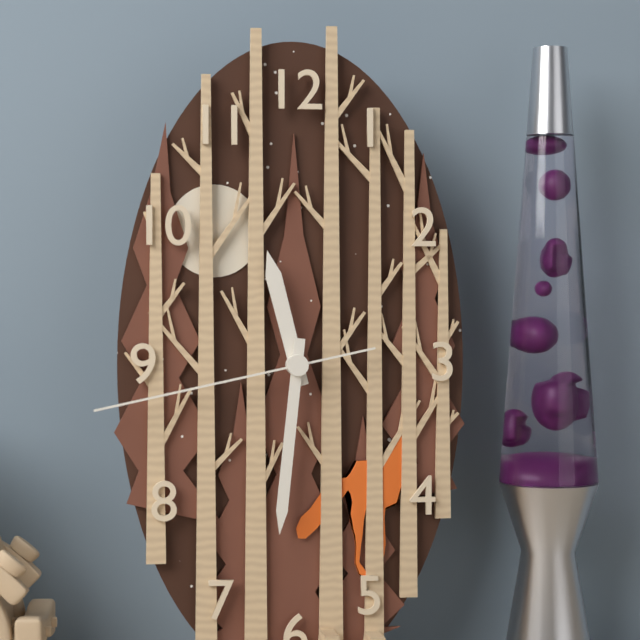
11h31m43s
